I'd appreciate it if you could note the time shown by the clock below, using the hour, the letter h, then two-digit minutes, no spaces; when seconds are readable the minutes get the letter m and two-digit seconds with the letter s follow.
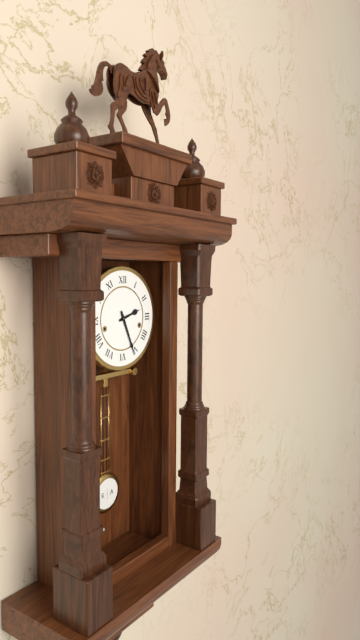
2h26
